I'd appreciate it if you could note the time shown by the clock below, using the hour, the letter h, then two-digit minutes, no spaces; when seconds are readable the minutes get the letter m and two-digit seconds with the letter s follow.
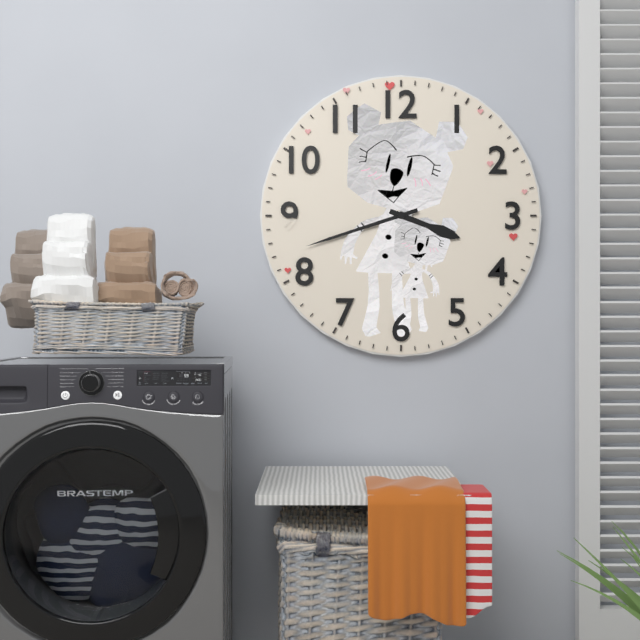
3h42
